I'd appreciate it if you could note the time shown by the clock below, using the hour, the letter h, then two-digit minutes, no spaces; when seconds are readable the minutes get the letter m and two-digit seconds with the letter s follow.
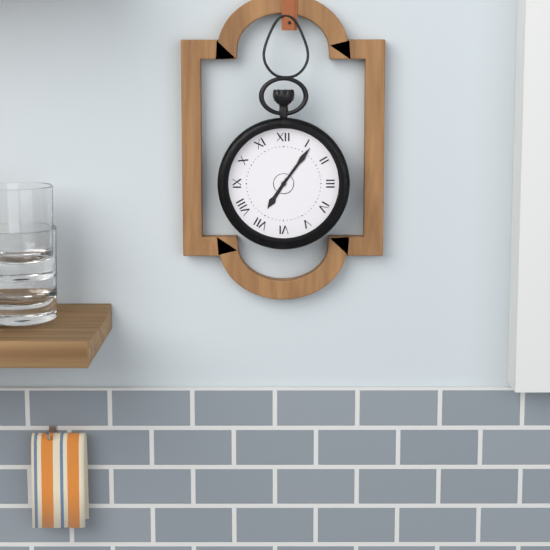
7h06
